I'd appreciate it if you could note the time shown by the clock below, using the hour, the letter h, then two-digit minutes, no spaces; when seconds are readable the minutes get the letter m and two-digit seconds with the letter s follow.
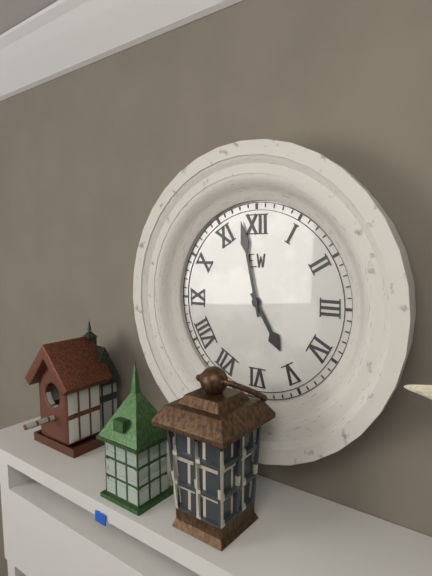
4h58
